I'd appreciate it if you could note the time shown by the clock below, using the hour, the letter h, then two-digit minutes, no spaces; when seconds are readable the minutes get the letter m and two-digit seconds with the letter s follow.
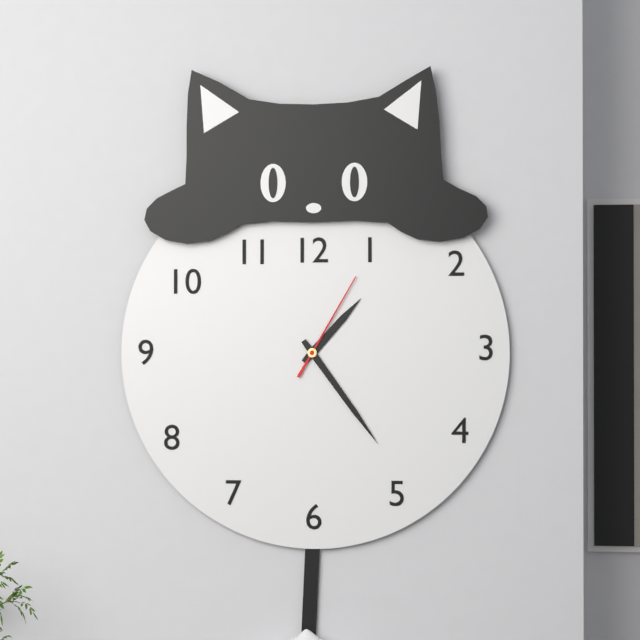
1h24m05s
